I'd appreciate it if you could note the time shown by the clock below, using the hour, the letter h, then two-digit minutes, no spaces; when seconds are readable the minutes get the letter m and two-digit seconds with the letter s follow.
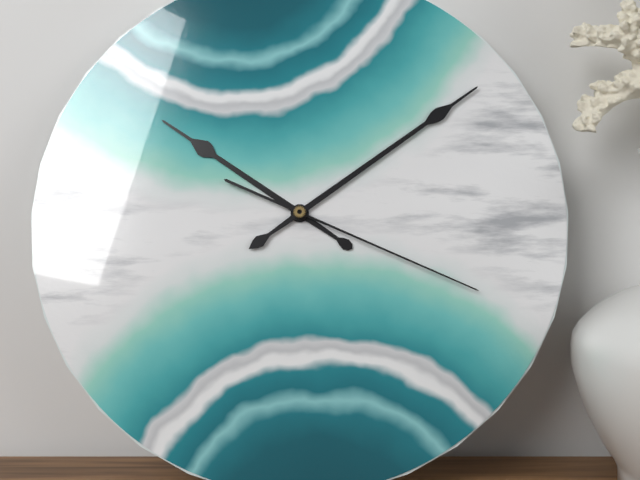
10h09m19s
